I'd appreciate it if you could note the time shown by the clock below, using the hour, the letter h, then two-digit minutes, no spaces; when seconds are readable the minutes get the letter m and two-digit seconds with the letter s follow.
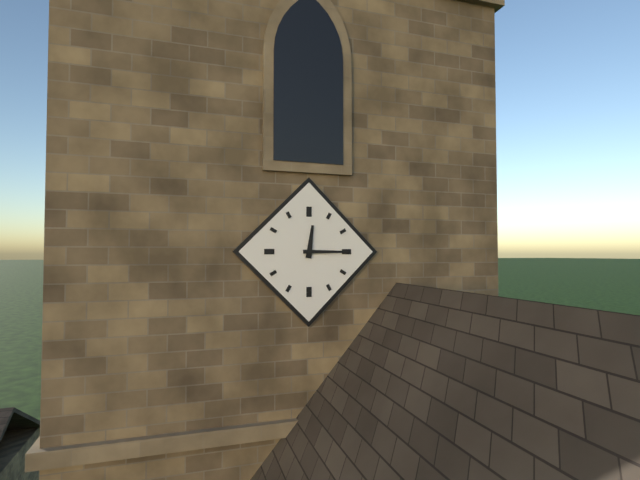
12h15
